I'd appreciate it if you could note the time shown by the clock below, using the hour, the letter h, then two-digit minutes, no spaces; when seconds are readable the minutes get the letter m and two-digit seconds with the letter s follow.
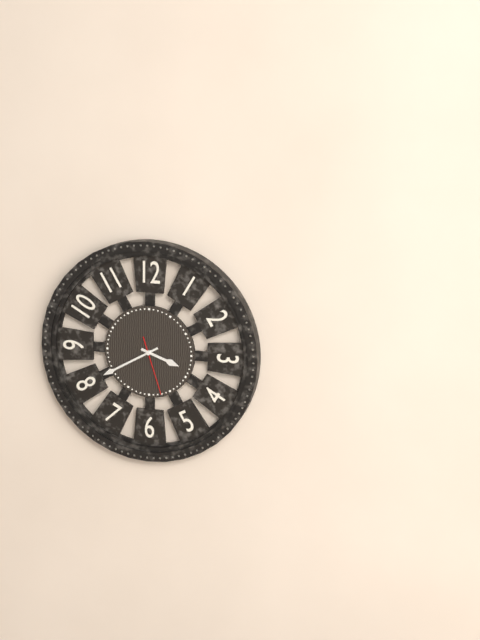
3h40m27s
